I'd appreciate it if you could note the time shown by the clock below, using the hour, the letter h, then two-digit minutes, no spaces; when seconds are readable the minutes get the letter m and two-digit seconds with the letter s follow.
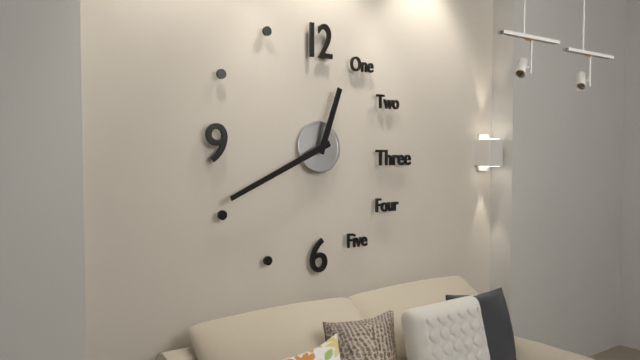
12h41
